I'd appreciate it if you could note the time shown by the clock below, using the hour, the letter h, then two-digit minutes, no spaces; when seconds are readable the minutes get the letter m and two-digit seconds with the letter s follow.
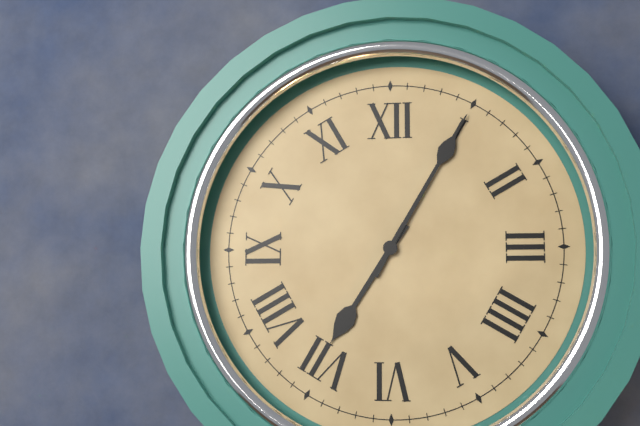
7h05
